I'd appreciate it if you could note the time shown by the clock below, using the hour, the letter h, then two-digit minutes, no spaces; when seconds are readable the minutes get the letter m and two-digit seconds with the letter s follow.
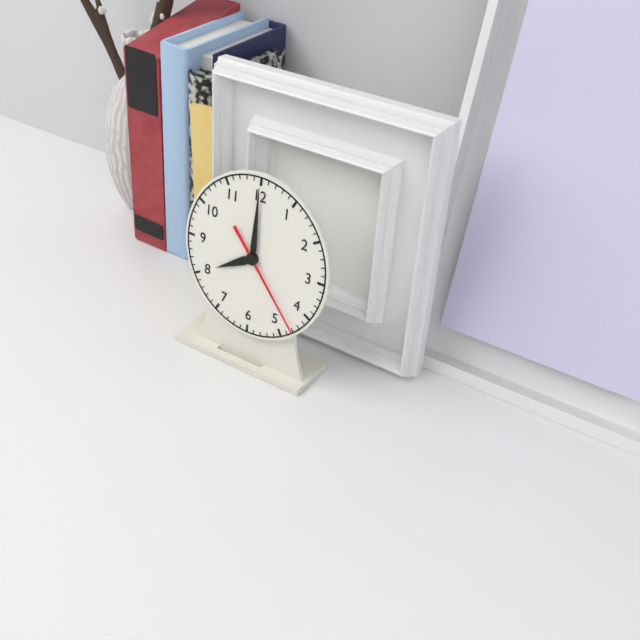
8h00m23s
